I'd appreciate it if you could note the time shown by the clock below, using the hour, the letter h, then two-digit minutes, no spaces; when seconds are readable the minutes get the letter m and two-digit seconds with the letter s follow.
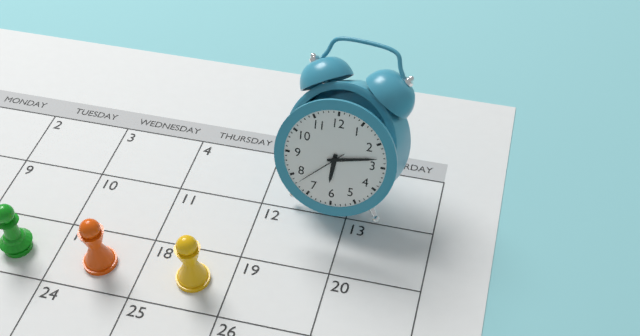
6h13m38s
